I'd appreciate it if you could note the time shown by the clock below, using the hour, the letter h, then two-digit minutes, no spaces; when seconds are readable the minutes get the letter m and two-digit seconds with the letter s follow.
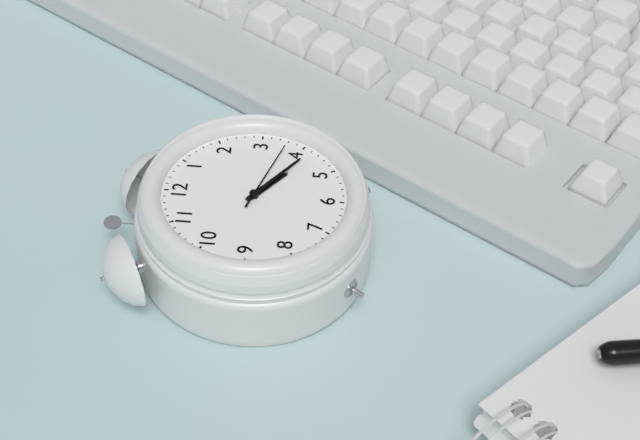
4h21m18s
